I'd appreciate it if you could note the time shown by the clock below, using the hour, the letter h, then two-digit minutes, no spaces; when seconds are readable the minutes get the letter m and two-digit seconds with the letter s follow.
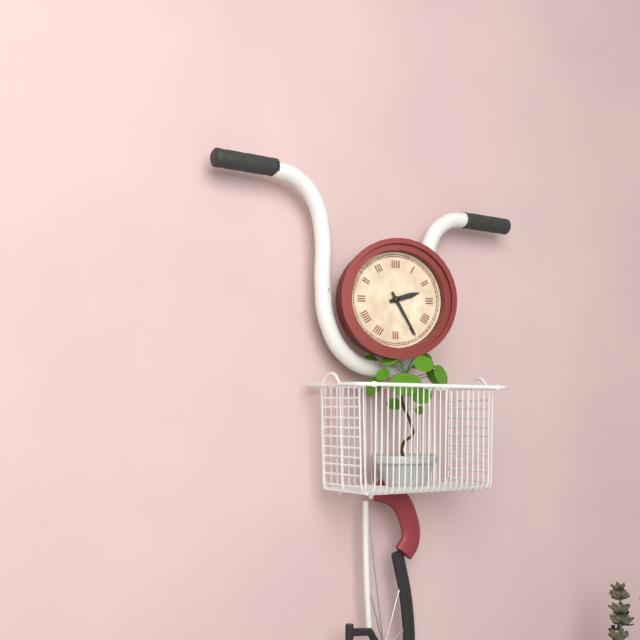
2h25
